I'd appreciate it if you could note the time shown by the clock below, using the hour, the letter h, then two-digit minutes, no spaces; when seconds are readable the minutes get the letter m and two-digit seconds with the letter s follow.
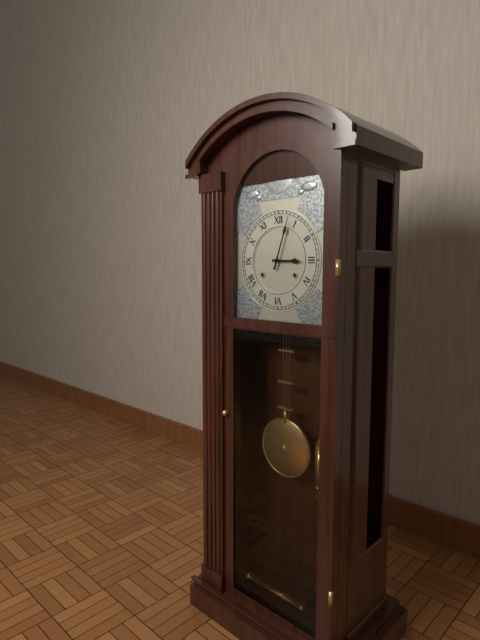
3h03
